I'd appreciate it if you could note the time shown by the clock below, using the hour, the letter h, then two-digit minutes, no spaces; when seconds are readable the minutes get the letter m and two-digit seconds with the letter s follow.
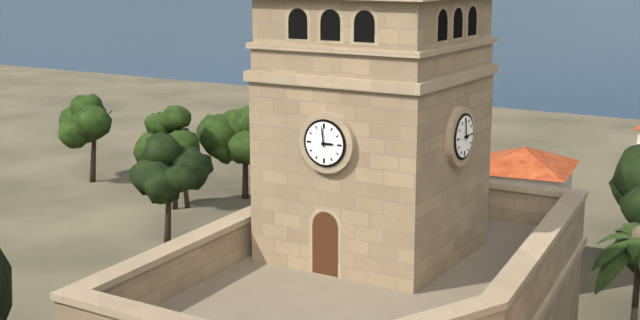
2h59
